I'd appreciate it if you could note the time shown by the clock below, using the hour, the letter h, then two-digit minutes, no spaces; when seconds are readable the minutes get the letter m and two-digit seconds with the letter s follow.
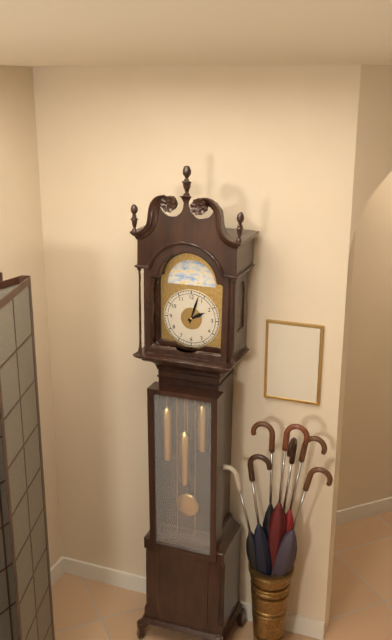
2h03
